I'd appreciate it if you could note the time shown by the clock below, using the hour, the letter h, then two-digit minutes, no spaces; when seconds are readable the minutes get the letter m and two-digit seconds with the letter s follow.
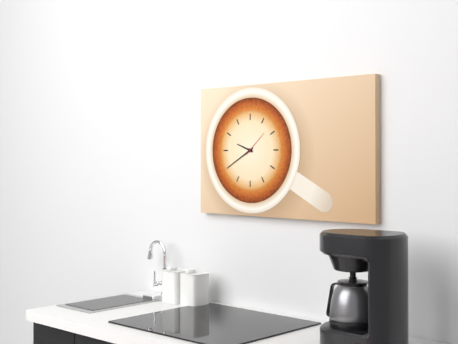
9h40
